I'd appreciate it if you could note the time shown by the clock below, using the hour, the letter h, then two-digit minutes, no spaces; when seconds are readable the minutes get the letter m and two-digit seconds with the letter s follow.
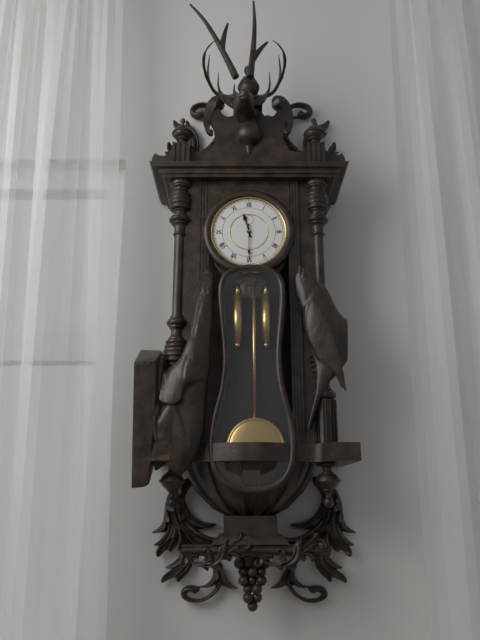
11h30
